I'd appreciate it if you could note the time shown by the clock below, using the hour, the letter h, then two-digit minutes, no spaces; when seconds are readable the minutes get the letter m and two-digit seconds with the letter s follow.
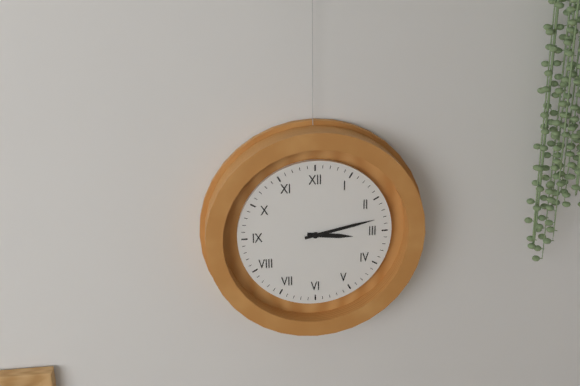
3h13
